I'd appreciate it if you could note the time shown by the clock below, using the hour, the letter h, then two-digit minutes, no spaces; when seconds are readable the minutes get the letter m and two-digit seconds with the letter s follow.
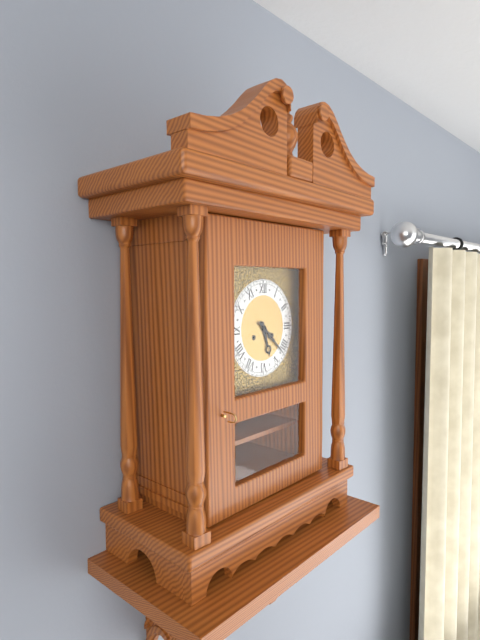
5h22
